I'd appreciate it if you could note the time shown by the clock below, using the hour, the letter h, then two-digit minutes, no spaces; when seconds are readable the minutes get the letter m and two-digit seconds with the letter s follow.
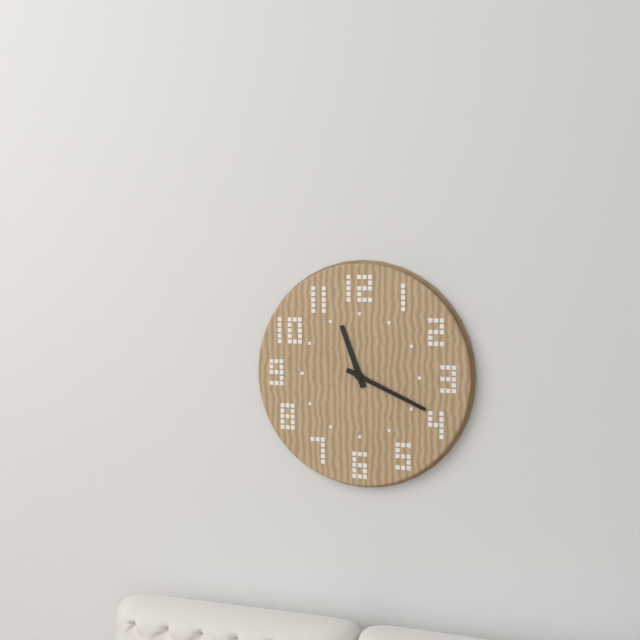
11h19
